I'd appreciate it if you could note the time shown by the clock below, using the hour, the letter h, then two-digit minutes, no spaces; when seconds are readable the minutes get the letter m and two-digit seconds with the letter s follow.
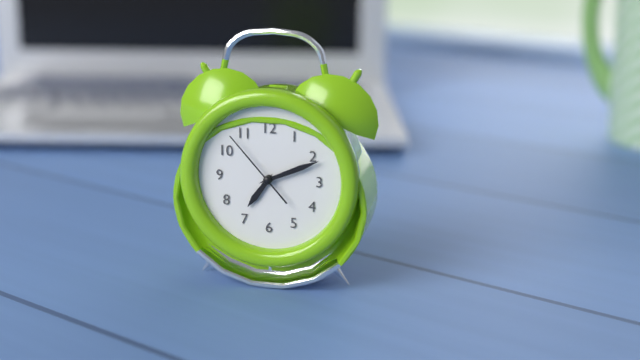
7h11m53s
